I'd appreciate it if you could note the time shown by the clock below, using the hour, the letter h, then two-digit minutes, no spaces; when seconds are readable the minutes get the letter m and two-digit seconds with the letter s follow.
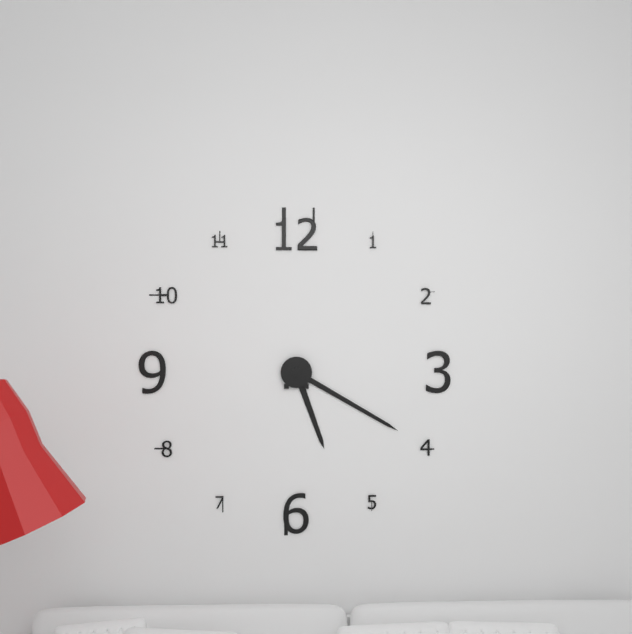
5h20
